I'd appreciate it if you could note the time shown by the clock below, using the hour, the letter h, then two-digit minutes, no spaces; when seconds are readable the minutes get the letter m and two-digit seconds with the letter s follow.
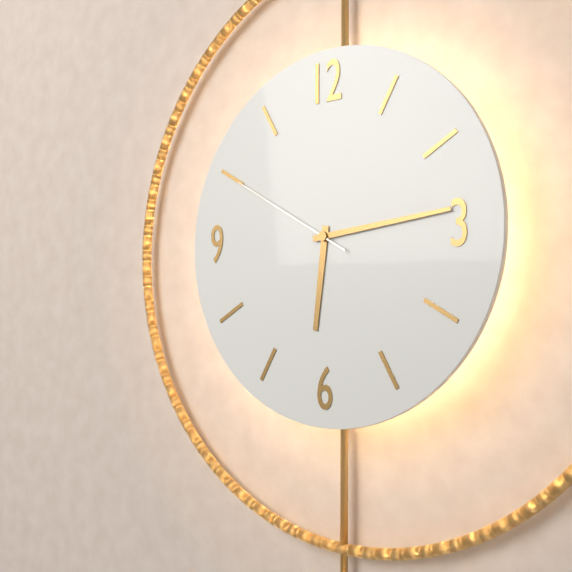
6h14m50s
